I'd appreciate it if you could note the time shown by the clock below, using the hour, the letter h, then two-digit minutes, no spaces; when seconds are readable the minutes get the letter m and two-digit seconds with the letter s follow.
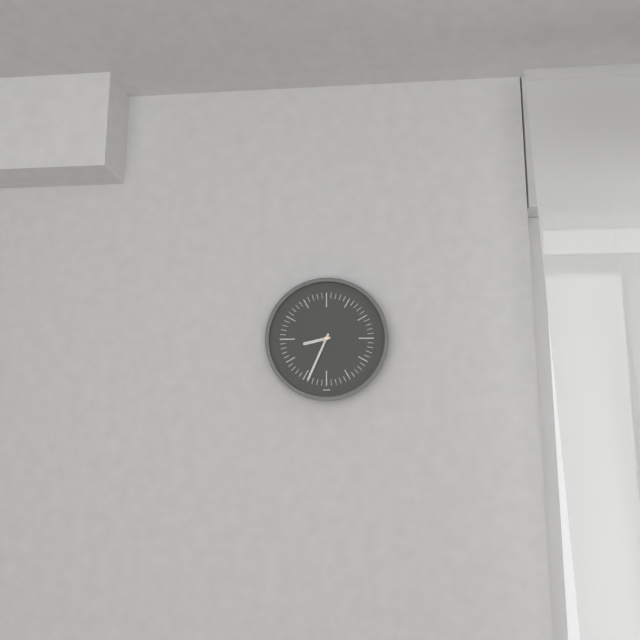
8h34
